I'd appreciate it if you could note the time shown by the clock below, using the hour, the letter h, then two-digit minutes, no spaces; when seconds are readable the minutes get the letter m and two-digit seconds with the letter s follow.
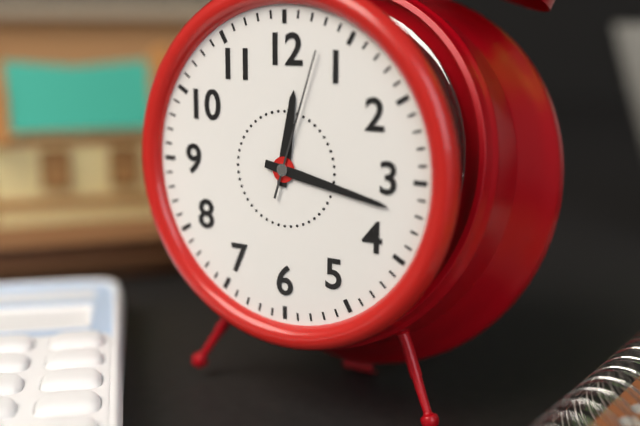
12h17m03s
